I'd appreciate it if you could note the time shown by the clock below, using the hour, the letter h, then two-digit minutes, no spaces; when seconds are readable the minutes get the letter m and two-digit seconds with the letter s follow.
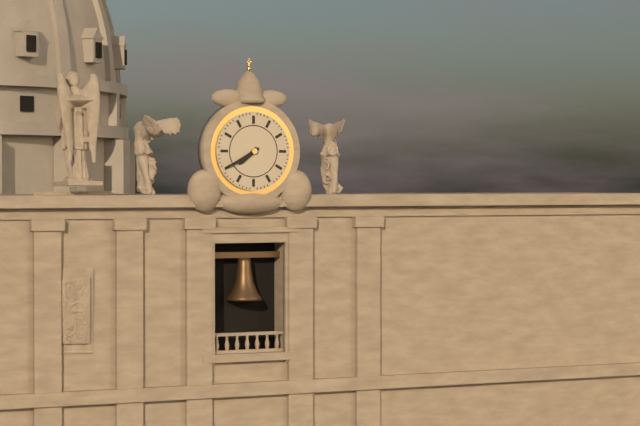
7h40
